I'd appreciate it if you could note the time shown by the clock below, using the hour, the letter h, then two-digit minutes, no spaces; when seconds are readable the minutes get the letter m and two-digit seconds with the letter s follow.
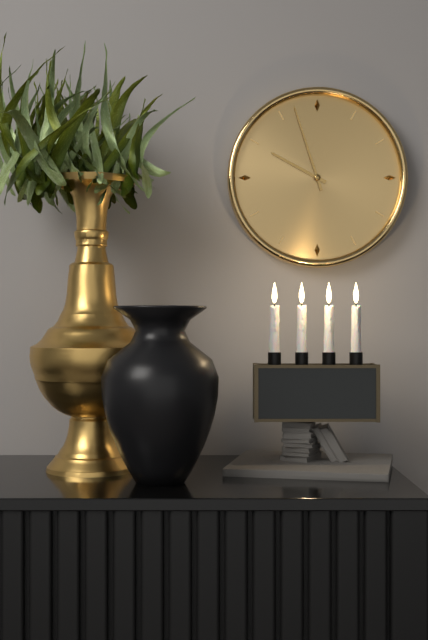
9h57
